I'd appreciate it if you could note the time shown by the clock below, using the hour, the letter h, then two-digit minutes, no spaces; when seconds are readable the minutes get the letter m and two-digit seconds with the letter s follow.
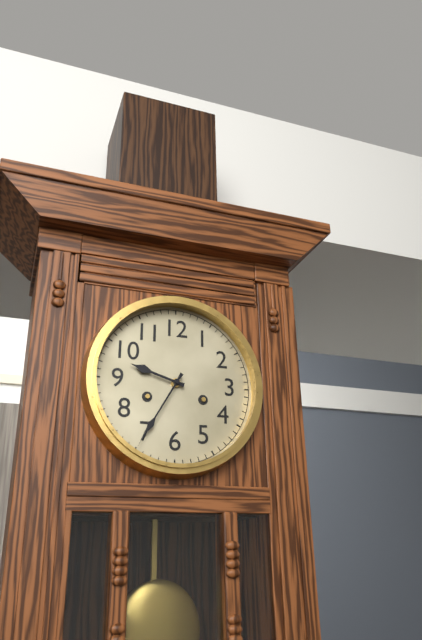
9h35
